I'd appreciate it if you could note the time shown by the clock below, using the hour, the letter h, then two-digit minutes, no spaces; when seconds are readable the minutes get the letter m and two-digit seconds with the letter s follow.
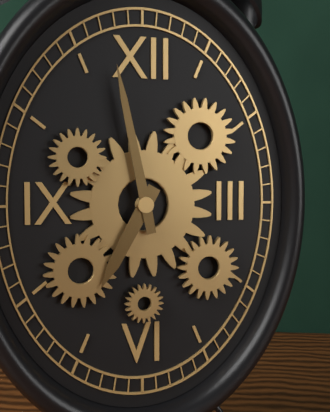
6h58
